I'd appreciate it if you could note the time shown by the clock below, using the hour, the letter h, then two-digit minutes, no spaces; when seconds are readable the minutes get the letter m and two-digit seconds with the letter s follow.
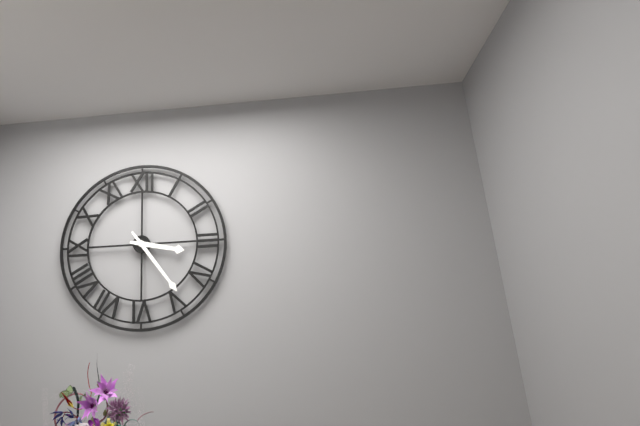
3h24
